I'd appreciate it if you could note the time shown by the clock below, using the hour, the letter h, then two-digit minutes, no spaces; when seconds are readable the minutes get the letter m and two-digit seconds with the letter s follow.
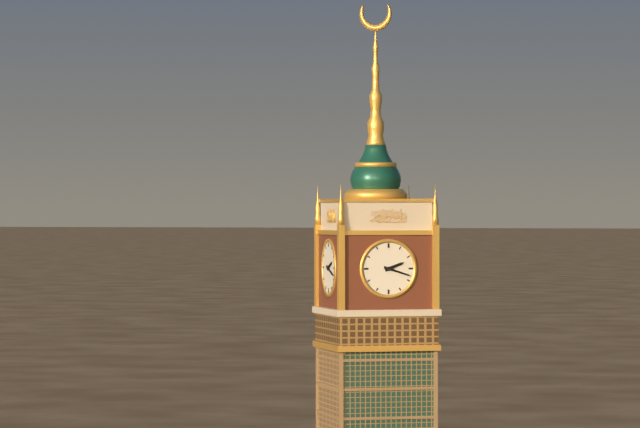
2h18
